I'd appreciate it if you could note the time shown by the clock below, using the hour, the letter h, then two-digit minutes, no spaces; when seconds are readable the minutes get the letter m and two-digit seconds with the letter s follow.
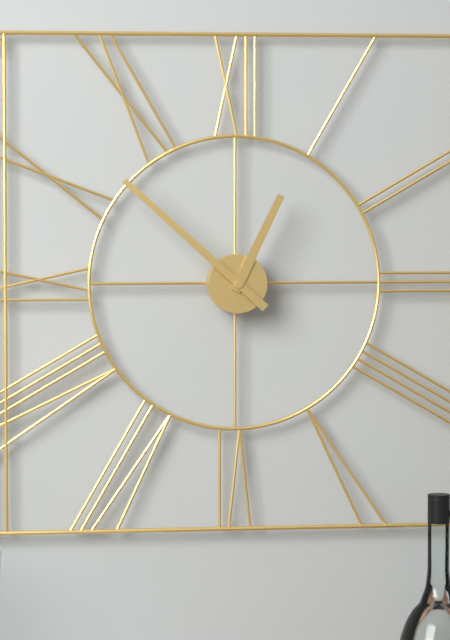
12h52
